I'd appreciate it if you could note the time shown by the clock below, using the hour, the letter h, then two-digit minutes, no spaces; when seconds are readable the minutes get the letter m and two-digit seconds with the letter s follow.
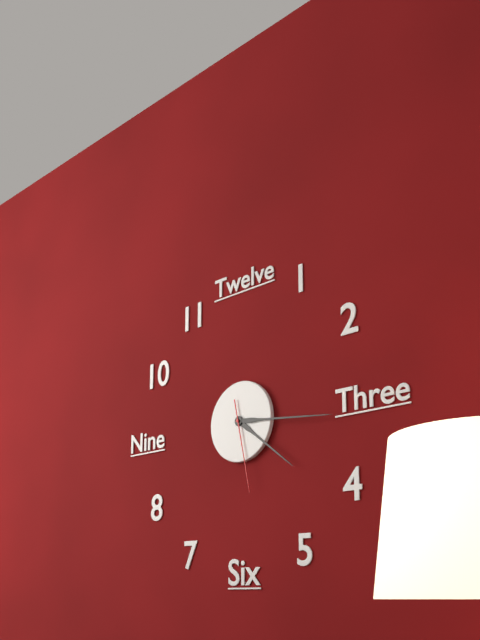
4h16m28s
